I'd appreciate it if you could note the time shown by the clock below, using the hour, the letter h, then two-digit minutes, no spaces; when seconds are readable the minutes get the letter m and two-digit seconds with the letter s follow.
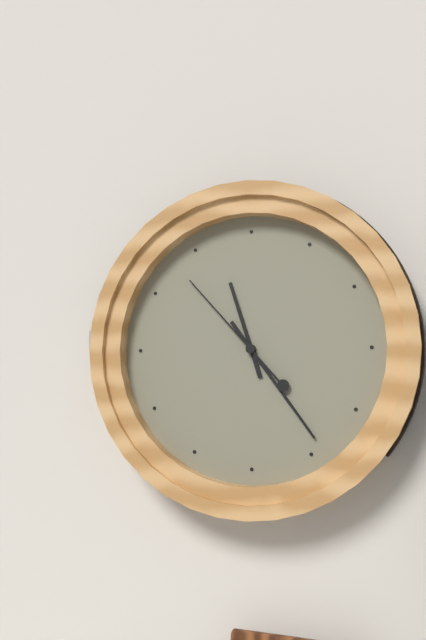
11h24m53s
